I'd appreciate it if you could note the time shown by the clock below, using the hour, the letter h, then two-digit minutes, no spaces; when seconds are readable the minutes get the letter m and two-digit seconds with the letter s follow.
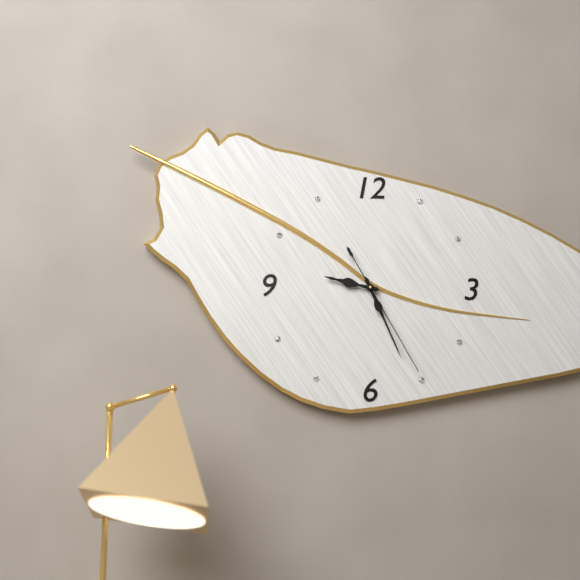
9h26m25s
